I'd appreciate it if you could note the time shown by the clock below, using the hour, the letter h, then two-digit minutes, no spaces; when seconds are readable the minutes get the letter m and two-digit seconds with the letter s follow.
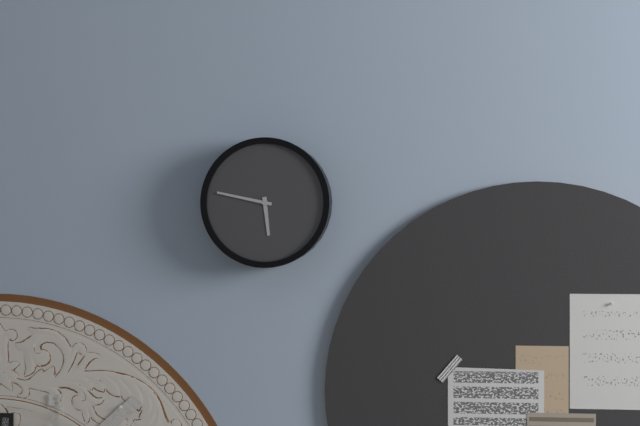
5h47
